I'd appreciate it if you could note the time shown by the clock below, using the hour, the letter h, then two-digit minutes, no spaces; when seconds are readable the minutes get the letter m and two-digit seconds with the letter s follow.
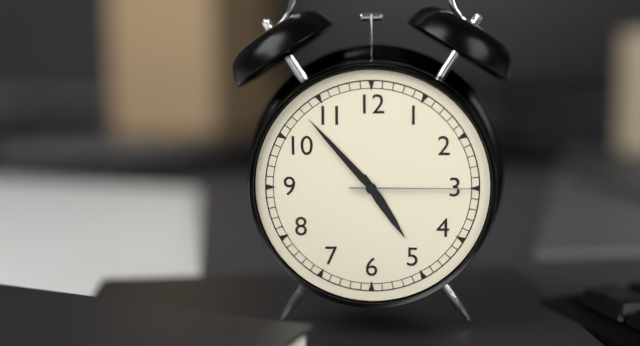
4h53m15s
